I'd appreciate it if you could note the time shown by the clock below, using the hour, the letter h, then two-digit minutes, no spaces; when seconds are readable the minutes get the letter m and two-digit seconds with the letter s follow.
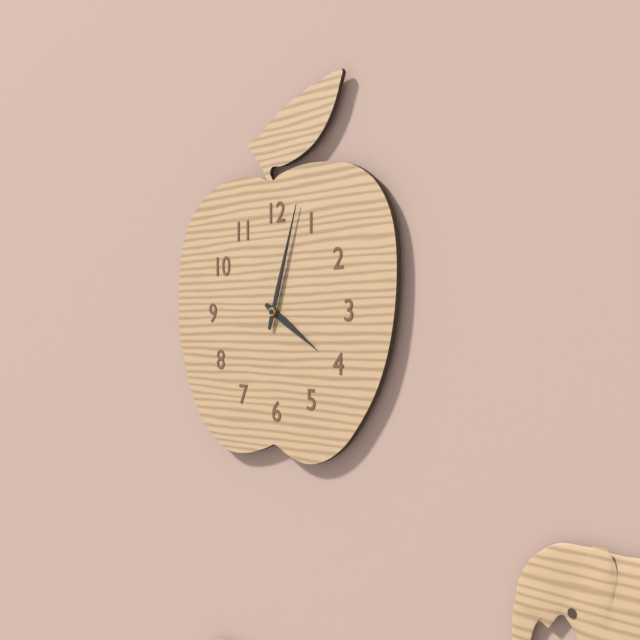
4h03
